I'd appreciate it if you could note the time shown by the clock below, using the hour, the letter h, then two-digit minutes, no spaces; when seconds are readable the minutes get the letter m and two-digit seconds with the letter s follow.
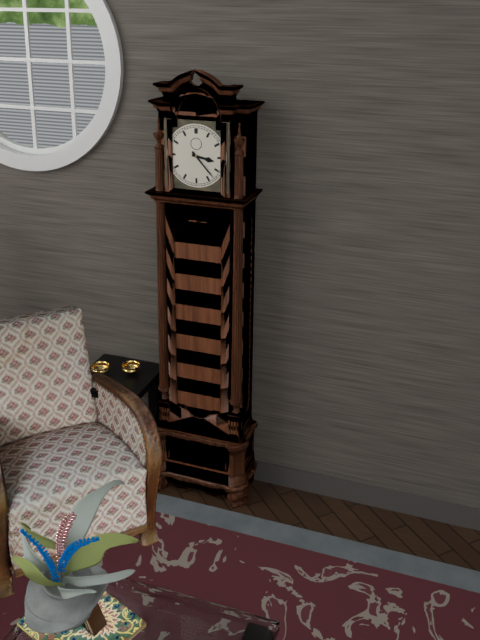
3h23
